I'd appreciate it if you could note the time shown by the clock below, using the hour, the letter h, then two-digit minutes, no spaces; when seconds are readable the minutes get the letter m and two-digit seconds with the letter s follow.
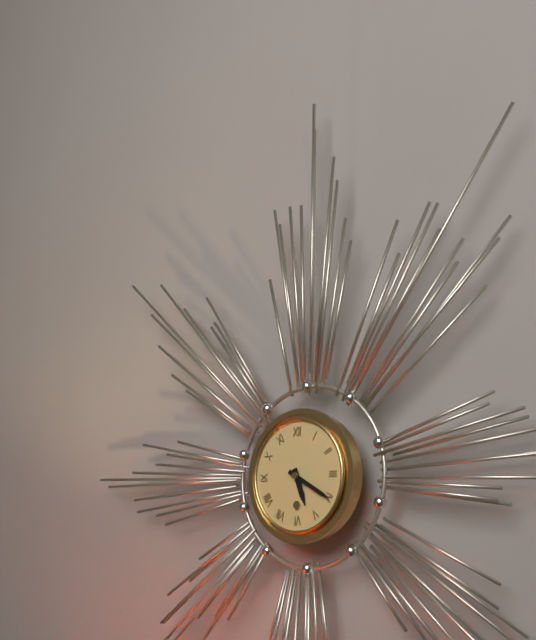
5h20
